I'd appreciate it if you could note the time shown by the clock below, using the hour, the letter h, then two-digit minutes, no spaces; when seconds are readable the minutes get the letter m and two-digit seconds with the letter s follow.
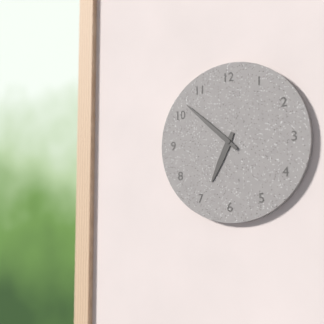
6h52
